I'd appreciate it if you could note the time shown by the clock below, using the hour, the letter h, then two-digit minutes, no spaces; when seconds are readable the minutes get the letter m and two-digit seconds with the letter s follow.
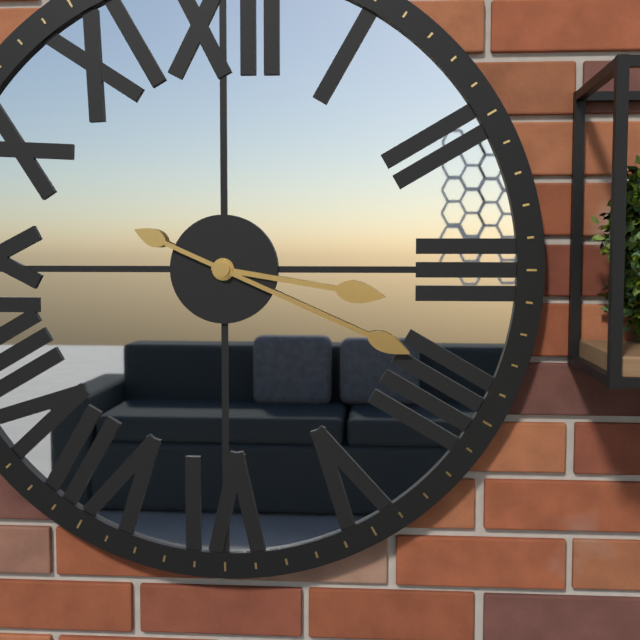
3h19
